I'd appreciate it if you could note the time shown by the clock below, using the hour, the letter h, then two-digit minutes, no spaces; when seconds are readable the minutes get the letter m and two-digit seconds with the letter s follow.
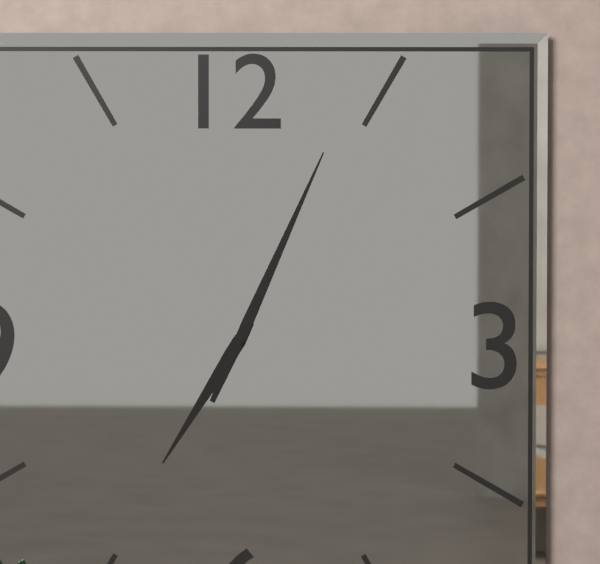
7h04
